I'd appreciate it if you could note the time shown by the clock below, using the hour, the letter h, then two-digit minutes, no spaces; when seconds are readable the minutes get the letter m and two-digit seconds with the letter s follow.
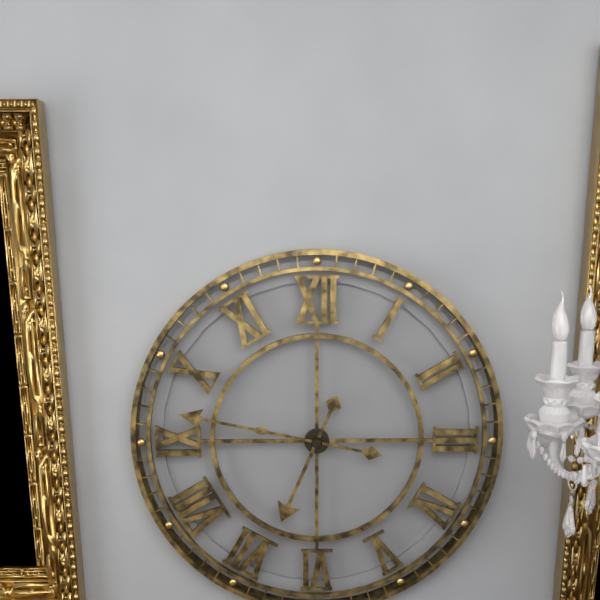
6h47
